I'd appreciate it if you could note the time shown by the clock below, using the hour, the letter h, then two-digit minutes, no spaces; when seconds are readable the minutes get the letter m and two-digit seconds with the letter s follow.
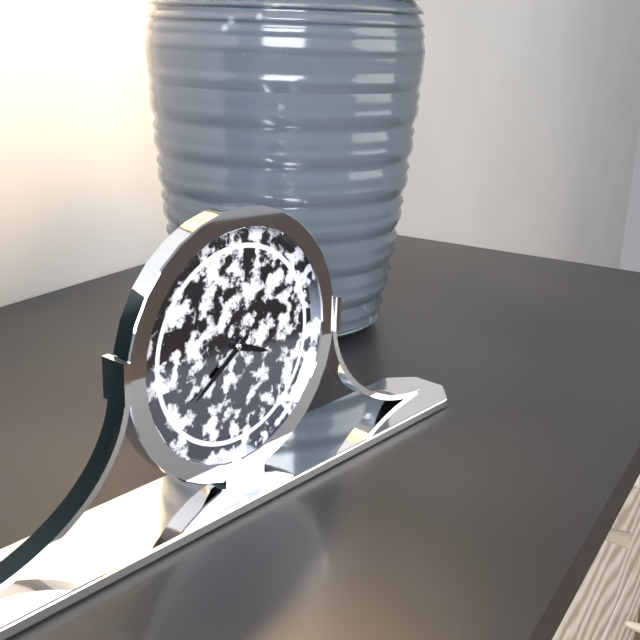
3h39
